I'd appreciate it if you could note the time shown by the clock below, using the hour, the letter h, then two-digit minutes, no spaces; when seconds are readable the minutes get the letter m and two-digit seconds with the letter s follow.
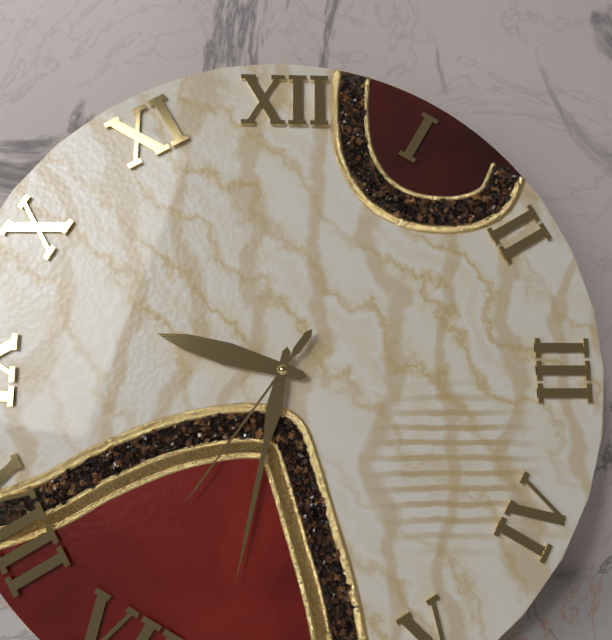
9h32m36s
